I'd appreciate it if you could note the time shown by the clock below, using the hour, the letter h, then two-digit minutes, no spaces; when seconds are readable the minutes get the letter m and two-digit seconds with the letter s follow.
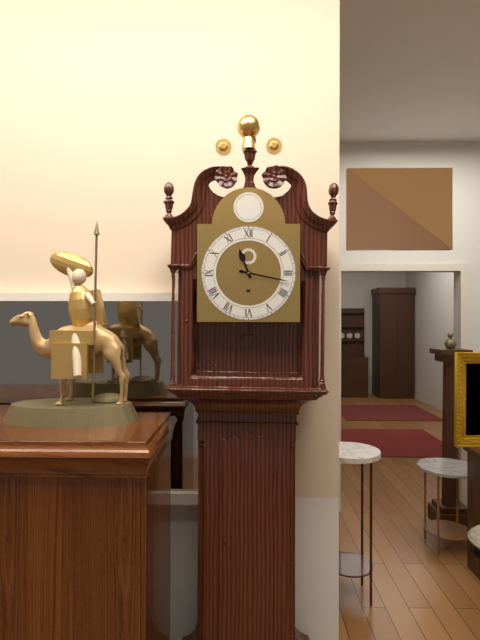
11h17
